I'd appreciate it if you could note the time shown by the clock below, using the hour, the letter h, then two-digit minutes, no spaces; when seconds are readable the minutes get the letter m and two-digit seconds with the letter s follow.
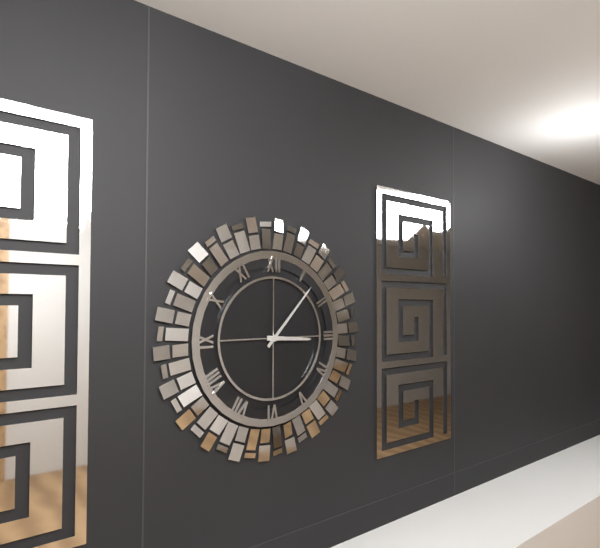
3h07
